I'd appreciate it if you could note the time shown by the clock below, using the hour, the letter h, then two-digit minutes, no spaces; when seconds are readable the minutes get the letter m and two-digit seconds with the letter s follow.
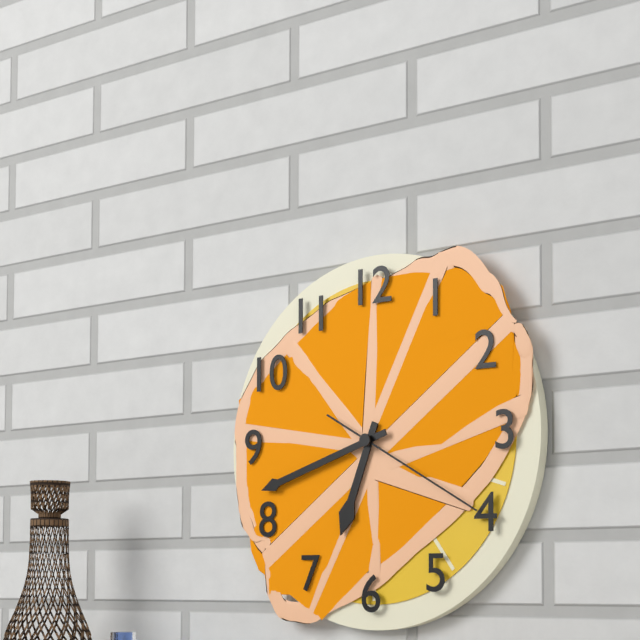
6h42m20s
